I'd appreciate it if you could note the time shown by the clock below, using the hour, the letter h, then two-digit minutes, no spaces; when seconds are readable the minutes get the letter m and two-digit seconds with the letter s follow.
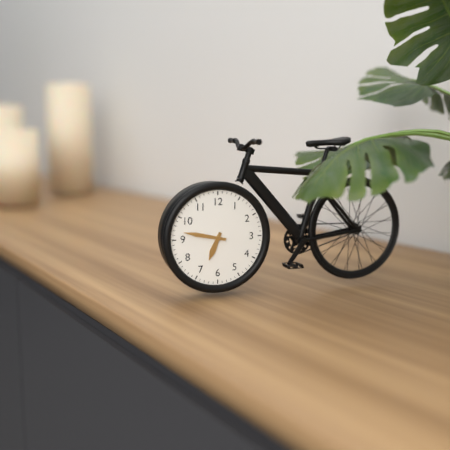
6h47
